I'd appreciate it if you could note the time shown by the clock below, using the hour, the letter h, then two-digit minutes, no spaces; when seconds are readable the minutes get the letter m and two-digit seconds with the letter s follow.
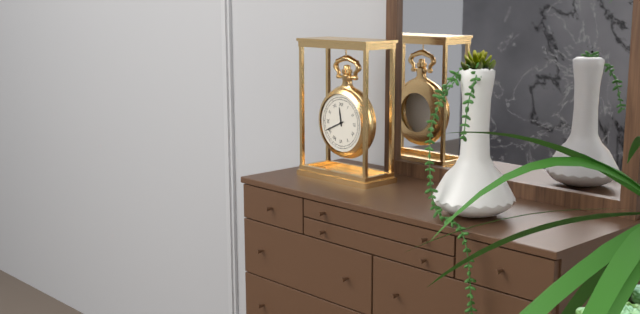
11h41
